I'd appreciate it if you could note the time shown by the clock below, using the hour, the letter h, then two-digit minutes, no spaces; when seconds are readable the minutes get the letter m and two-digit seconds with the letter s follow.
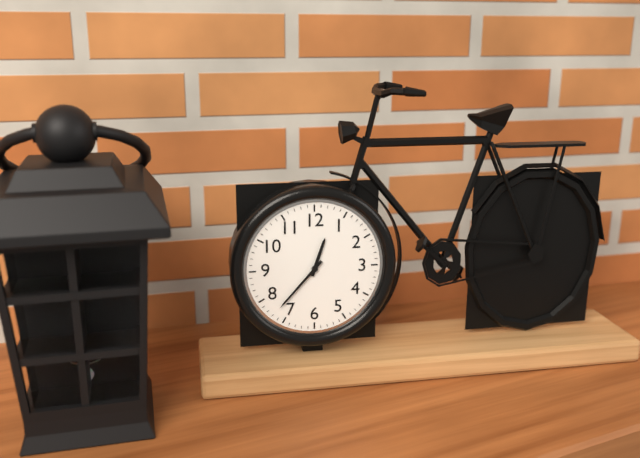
12h37
